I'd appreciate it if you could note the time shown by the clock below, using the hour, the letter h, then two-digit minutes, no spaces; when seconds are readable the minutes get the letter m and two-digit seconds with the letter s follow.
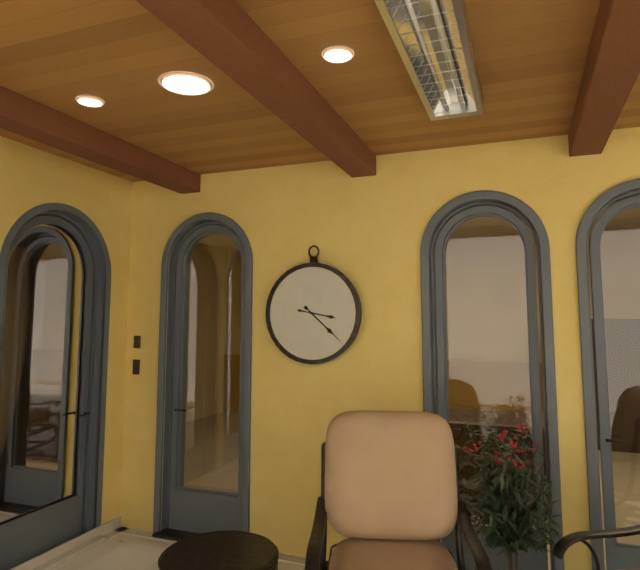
3h22
